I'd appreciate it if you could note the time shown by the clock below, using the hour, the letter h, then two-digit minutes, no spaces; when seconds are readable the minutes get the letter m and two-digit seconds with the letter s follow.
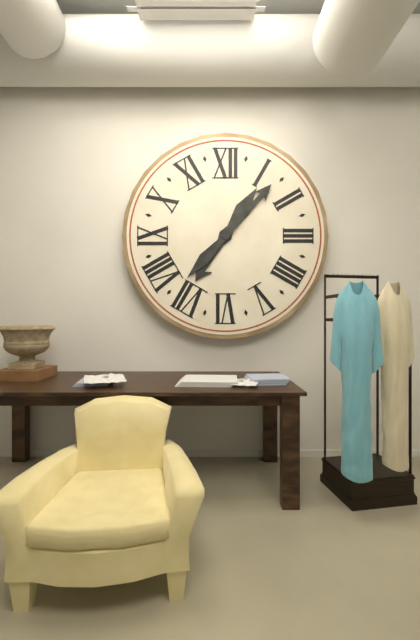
7h07
